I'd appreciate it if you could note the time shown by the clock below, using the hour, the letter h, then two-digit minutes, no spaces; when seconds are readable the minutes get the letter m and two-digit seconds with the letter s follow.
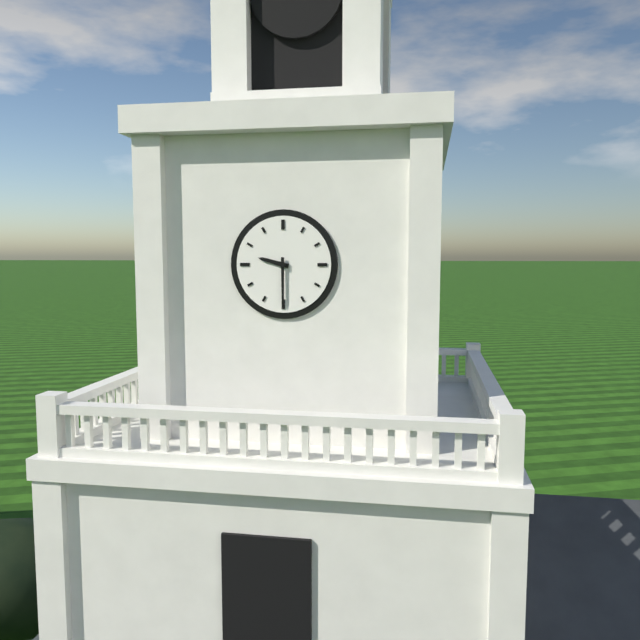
9h30
